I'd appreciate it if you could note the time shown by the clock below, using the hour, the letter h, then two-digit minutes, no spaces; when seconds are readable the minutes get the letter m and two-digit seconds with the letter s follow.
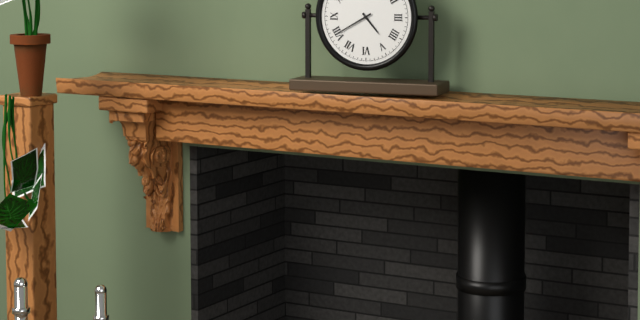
4h40
